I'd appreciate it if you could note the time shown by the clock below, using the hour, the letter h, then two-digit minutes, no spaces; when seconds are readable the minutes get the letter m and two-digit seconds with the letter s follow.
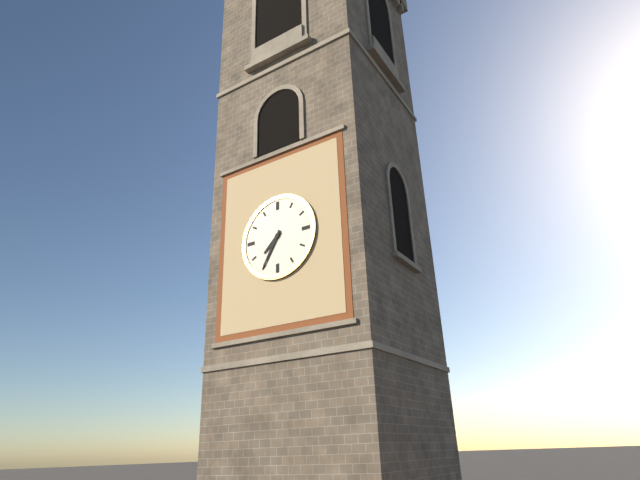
7h35
